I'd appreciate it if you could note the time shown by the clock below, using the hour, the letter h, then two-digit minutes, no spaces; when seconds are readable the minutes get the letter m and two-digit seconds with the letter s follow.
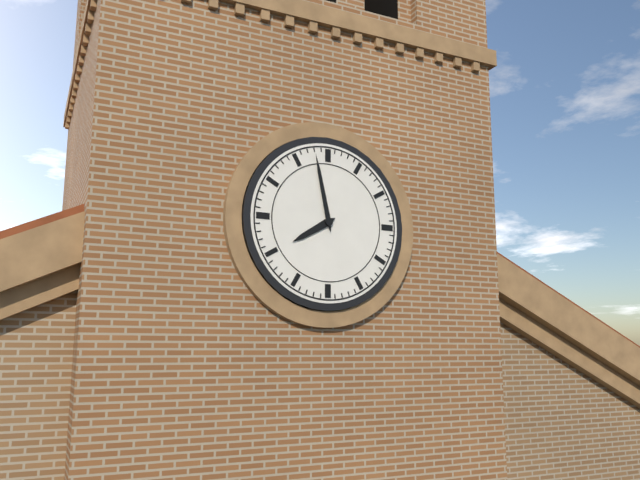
7h58
